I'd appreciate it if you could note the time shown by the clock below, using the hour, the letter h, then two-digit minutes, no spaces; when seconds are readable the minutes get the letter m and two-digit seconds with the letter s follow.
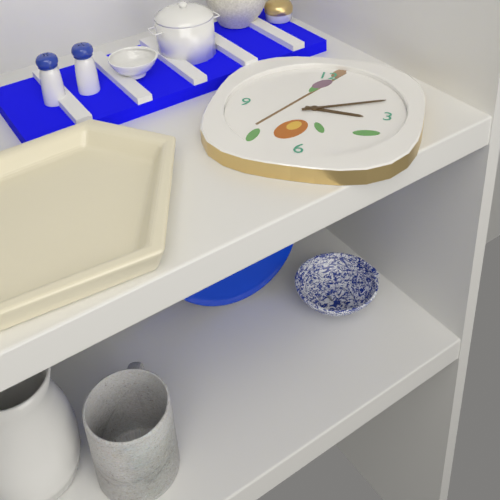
3h11
